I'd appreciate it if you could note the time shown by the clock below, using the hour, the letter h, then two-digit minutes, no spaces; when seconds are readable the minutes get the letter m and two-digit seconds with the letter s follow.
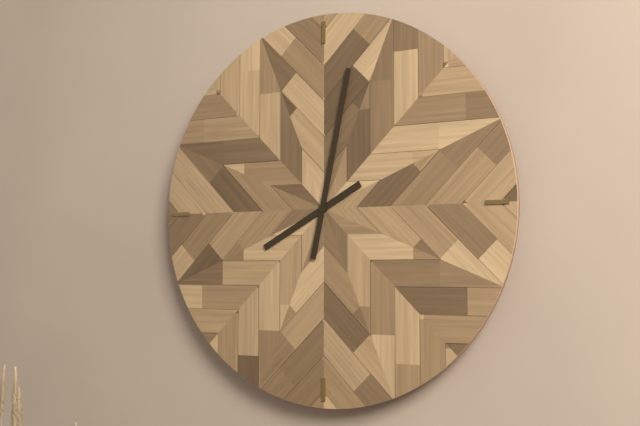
8h02
